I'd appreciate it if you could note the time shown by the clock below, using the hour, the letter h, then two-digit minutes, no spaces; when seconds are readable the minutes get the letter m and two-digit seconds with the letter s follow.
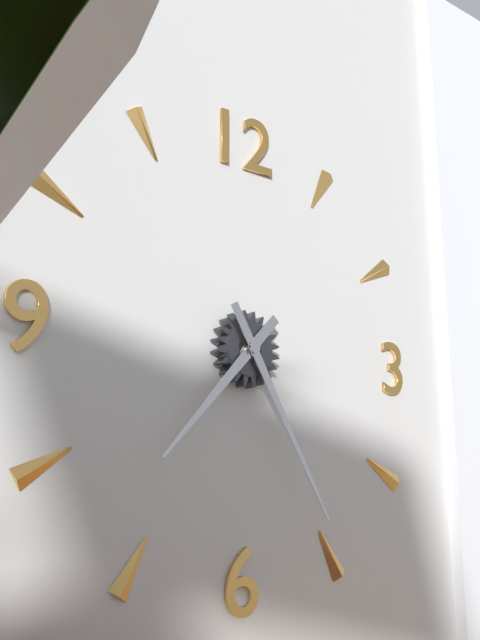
7h25
